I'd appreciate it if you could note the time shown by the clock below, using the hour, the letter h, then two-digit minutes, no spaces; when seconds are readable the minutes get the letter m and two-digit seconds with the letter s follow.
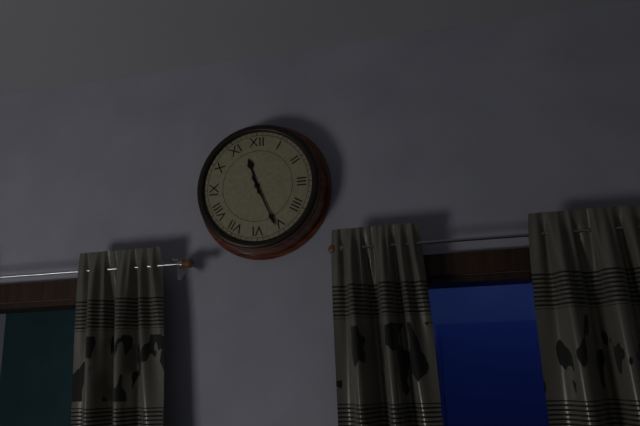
11h26
